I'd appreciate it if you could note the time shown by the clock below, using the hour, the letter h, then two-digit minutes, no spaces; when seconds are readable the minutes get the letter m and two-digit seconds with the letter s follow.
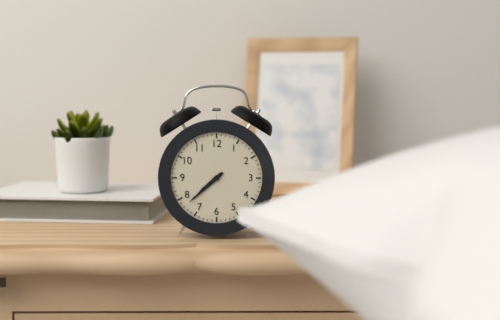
7h38
